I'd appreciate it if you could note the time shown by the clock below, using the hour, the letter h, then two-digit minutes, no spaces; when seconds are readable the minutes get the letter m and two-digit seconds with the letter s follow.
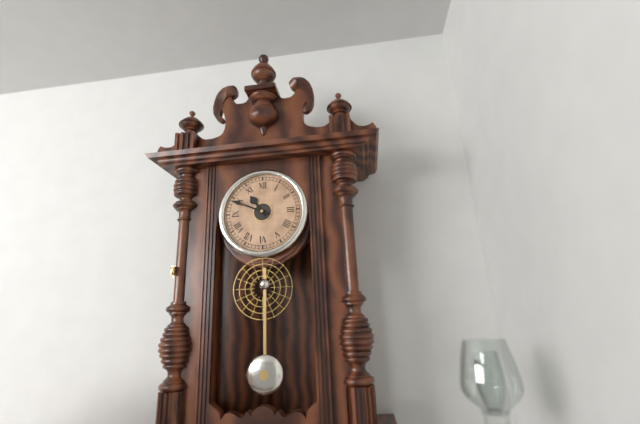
10h49
